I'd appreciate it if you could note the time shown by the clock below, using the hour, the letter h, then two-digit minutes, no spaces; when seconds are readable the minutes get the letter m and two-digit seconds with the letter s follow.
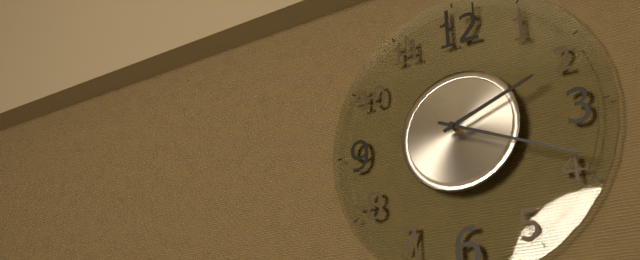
2h19
